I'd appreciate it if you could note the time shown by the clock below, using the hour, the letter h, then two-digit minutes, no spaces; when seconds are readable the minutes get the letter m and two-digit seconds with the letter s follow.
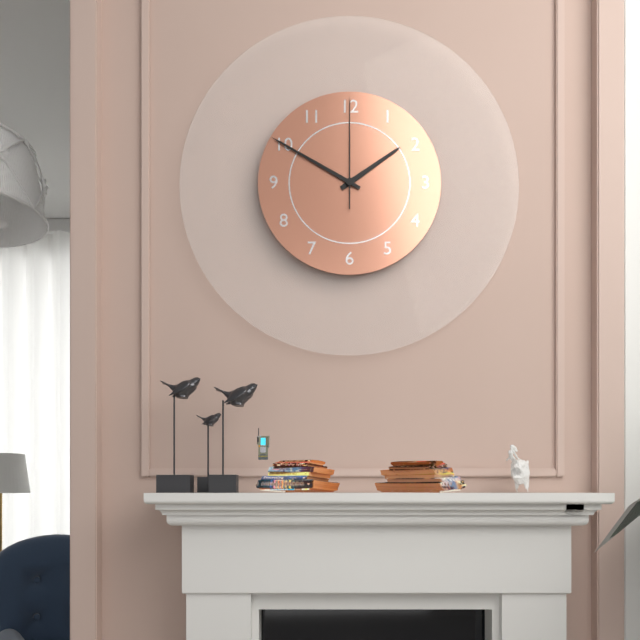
1h50m00s
